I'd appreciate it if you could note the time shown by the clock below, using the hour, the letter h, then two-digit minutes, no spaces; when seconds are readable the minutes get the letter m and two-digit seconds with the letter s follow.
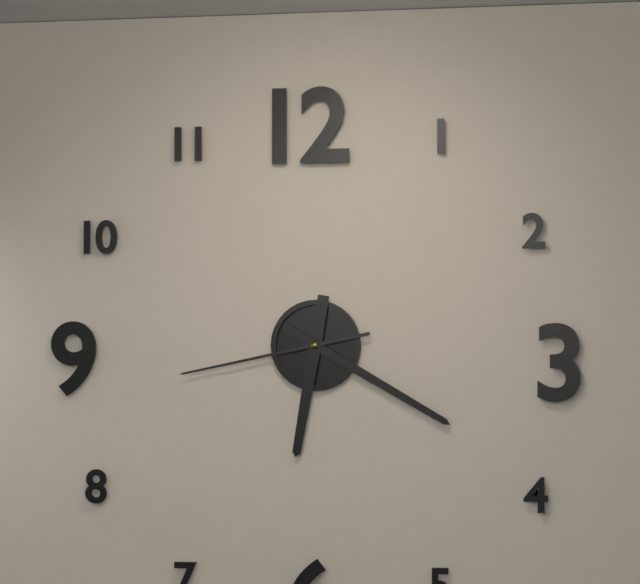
6h20m43s
